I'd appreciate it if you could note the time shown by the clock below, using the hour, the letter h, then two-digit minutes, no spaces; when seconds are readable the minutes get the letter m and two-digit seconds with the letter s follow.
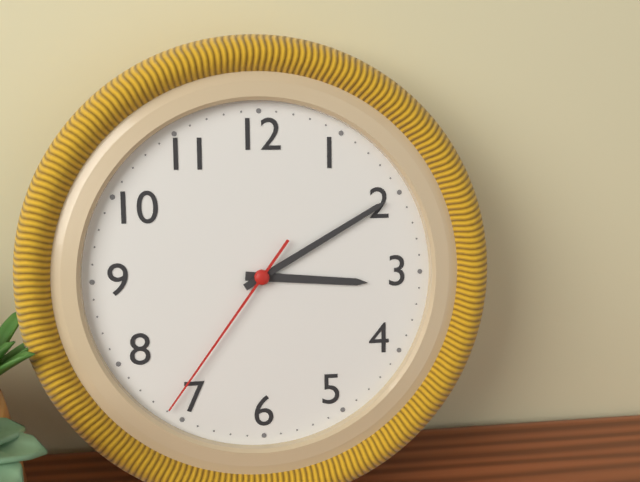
3h10m36s
